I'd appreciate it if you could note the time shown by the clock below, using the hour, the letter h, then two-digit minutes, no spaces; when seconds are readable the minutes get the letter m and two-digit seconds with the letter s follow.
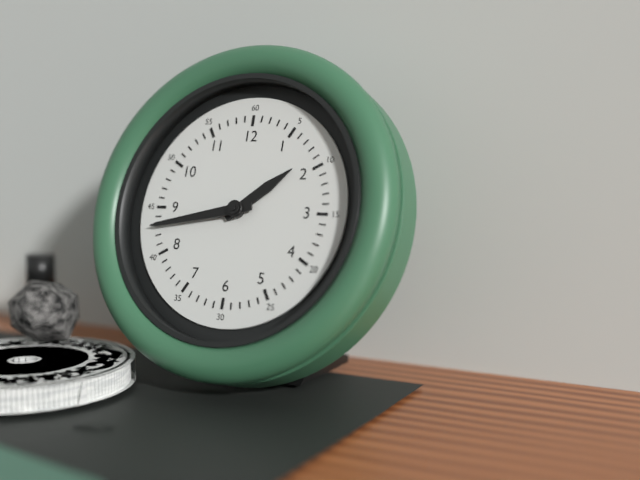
1h43
